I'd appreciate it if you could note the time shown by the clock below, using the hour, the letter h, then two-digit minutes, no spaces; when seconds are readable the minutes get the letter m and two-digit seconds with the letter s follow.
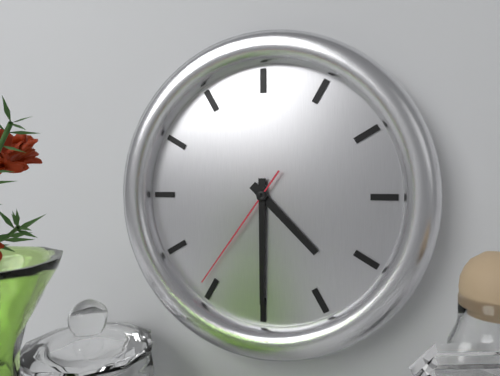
4h30m36s
